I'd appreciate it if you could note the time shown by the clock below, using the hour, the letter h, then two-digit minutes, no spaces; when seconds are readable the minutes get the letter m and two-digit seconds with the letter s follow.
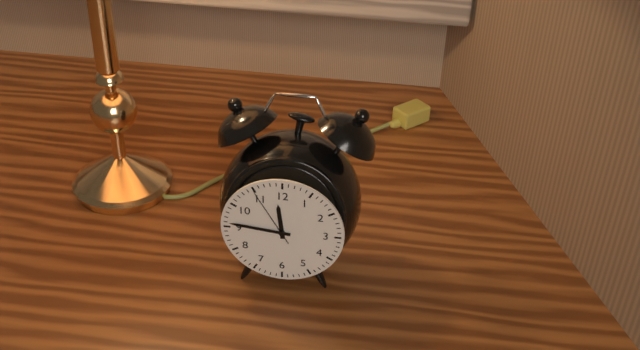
11h46m55s
